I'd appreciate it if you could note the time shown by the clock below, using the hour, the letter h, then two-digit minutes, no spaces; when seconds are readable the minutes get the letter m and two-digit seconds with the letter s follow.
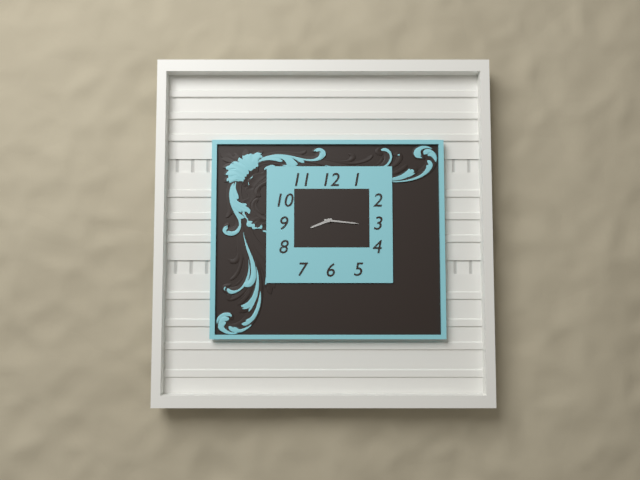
8h16
